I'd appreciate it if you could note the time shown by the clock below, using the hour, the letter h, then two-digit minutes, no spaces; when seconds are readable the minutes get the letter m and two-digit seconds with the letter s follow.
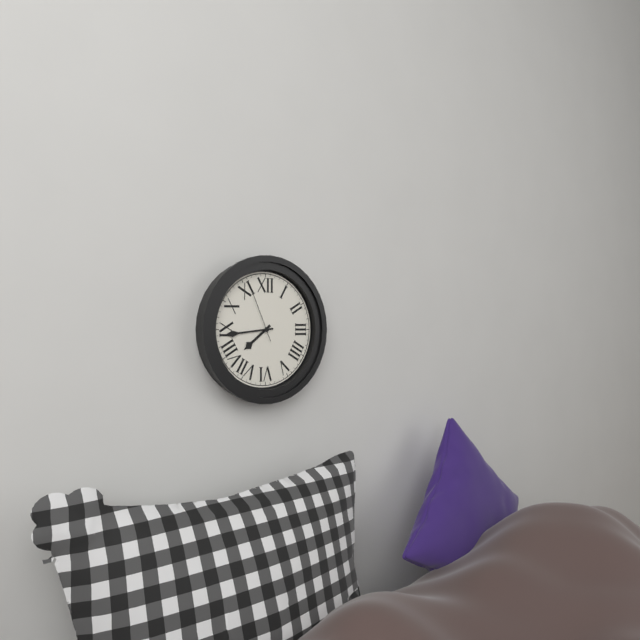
7h44m56s
